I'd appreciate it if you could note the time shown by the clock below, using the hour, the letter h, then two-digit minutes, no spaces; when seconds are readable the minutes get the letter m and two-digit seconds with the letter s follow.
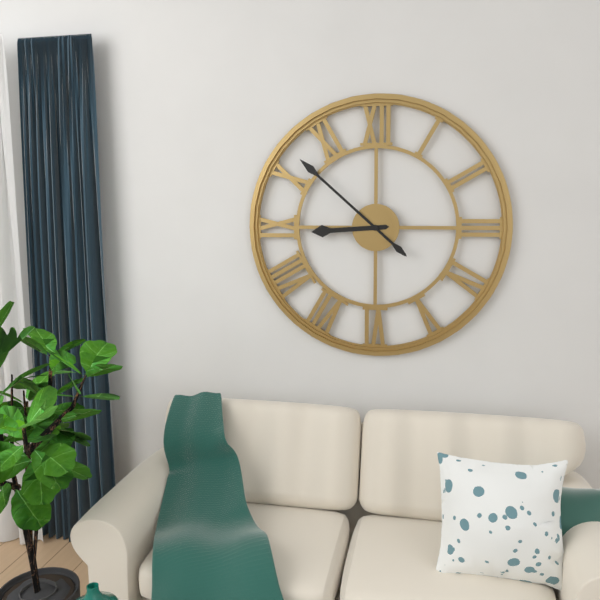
8h52
